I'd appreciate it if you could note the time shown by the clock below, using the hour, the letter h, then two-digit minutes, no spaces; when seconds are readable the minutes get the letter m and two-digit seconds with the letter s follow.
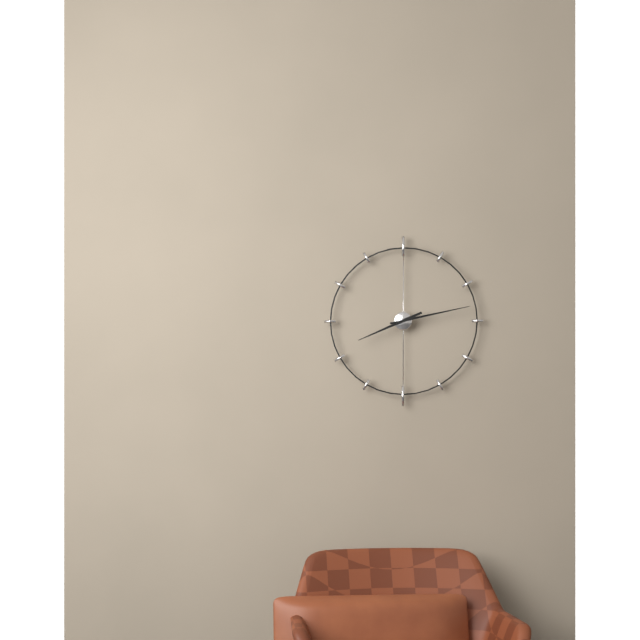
8h13
